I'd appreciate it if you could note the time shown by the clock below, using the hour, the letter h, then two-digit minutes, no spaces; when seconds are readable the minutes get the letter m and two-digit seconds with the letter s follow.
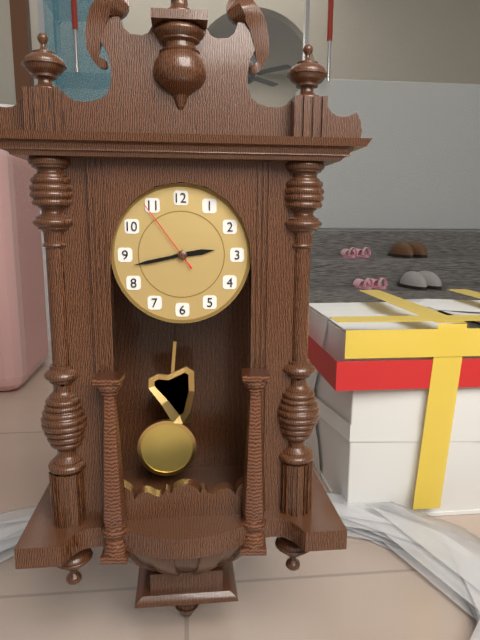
2h43m54s
